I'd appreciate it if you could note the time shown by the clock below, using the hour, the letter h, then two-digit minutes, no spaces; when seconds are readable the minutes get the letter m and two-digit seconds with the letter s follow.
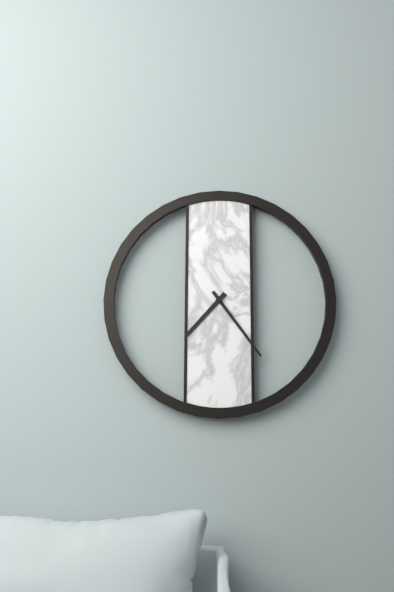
7h24
